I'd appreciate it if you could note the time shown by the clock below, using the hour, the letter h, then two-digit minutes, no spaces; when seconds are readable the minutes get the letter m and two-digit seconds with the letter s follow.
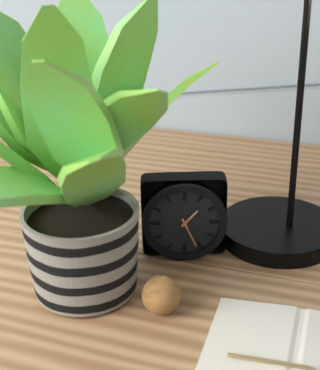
1h26
